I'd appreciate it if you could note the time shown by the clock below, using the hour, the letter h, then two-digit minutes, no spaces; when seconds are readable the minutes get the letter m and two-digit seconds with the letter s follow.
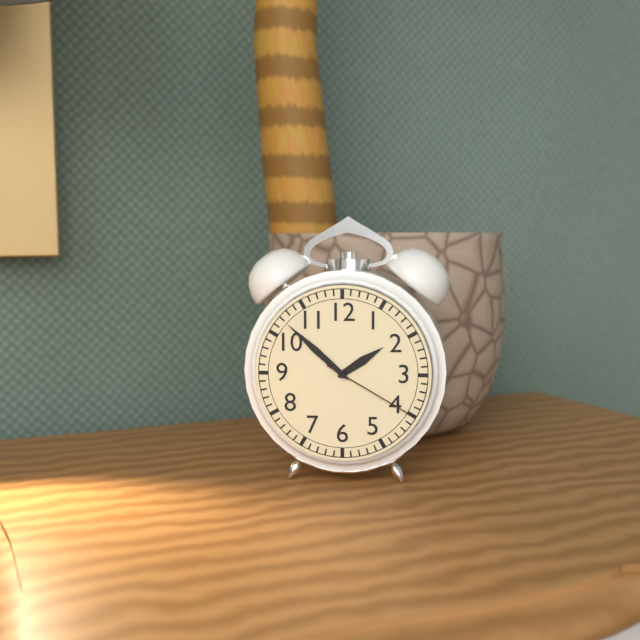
1h52m20s
